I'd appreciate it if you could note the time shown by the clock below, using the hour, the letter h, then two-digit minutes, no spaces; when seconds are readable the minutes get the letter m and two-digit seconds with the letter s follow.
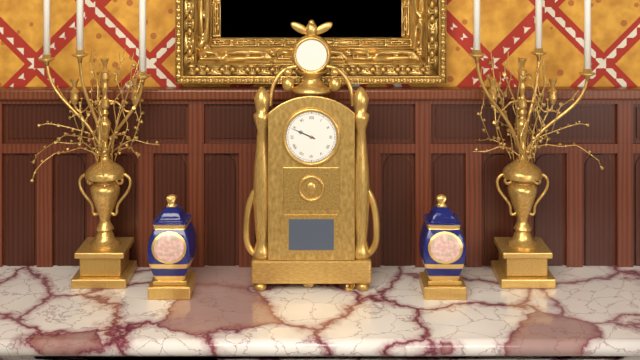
9h49
